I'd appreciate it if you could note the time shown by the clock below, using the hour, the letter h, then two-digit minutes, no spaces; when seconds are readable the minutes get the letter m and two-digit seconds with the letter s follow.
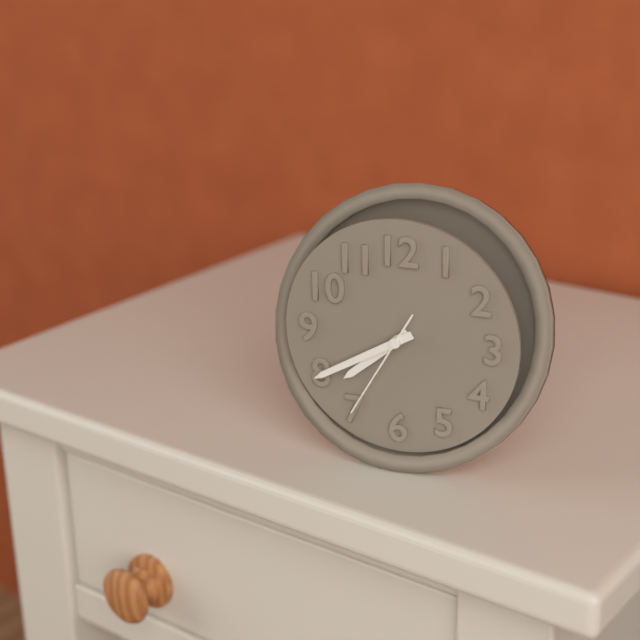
7h40m35s
